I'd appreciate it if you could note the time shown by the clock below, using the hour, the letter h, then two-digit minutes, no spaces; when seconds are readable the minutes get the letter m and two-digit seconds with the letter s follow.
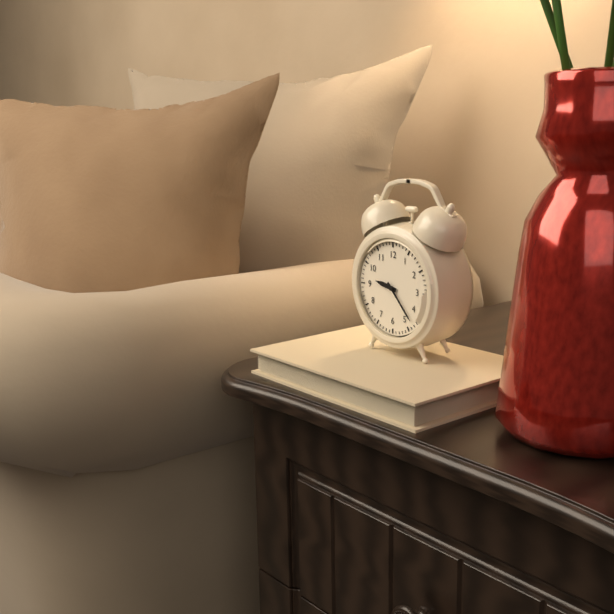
9h23
